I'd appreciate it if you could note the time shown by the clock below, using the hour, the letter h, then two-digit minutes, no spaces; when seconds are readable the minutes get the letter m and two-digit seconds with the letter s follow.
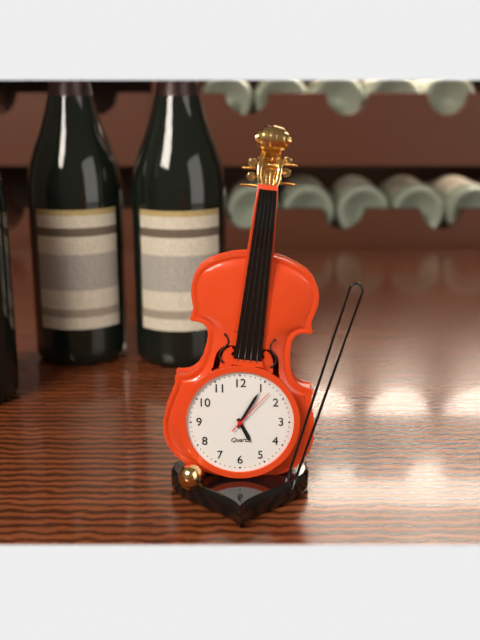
5h05m07s
